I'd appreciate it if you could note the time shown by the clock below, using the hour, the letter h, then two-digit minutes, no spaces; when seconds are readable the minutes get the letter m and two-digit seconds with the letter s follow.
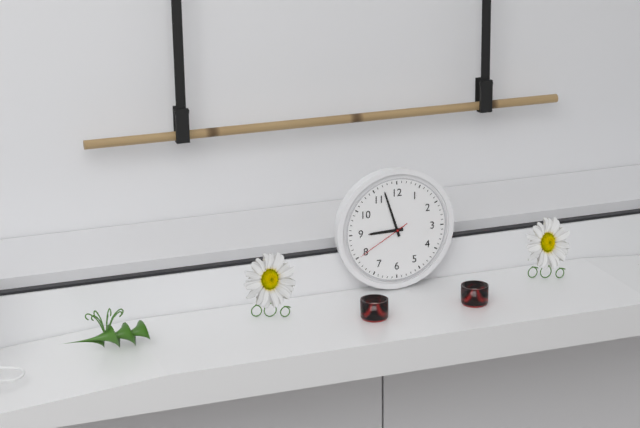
8h57m40s
